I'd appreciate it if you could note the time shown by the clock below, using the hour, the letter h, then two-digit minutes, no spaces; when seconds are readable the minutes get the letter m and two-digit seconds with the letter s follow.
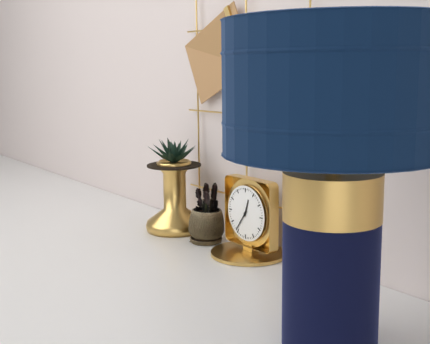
12h36
